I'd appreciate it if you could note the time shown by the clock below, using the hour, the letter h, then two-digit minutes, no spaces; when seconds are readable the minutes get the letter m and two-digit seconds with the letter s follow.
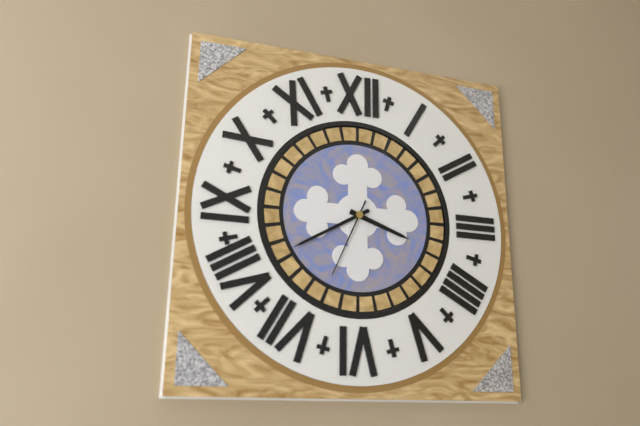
3h40m34s
